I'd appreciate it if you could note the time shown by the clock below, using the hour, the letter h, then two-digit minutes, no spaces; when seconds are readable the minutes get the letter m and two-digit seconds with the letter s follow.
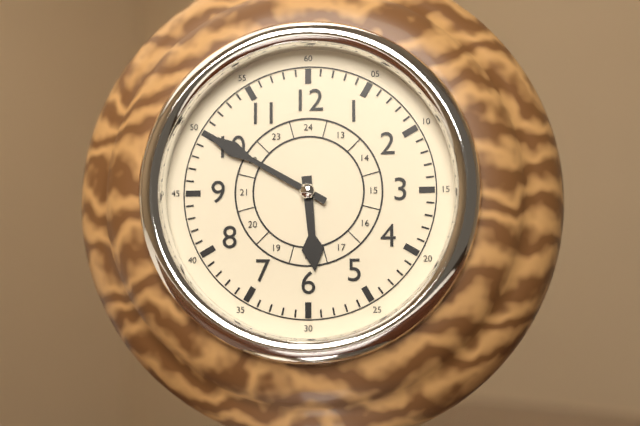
5h50
